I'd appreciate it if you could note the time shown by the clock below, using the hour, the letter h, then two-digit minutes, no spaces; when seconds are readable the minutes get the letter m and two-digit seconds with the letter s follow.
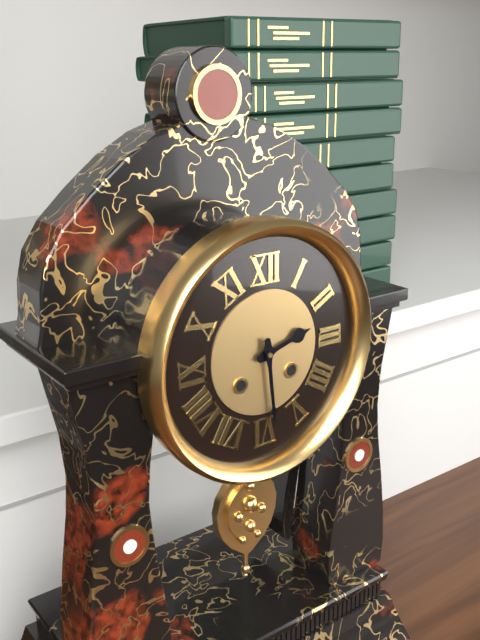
2h29
